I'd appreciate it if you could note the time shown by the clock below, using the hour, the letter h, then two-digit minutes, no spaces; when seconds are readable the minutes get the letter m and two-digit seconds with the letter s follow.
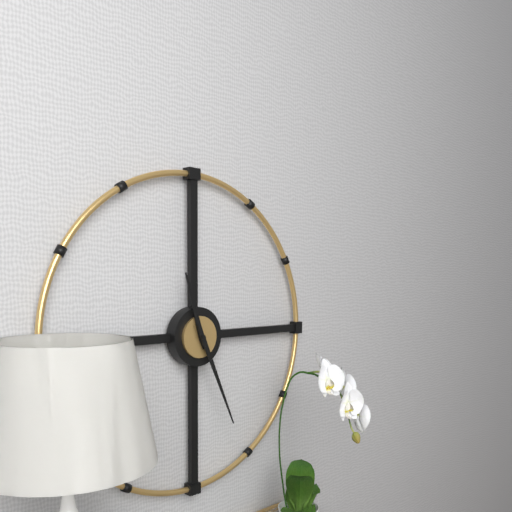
11h26
